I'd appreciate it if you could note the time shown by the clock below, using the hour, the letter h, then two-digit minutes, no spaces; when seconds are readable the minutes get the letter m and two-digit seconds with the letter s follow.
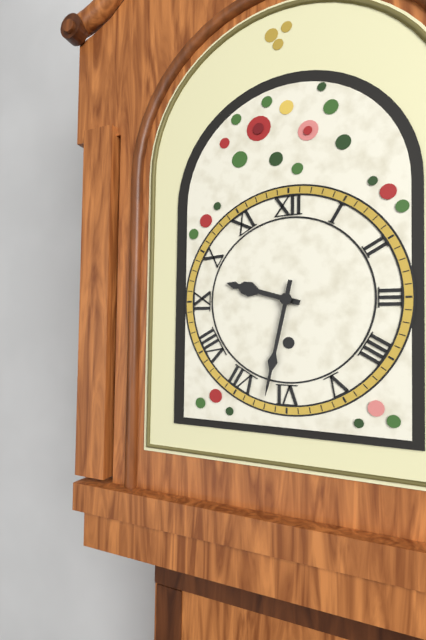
9h32
